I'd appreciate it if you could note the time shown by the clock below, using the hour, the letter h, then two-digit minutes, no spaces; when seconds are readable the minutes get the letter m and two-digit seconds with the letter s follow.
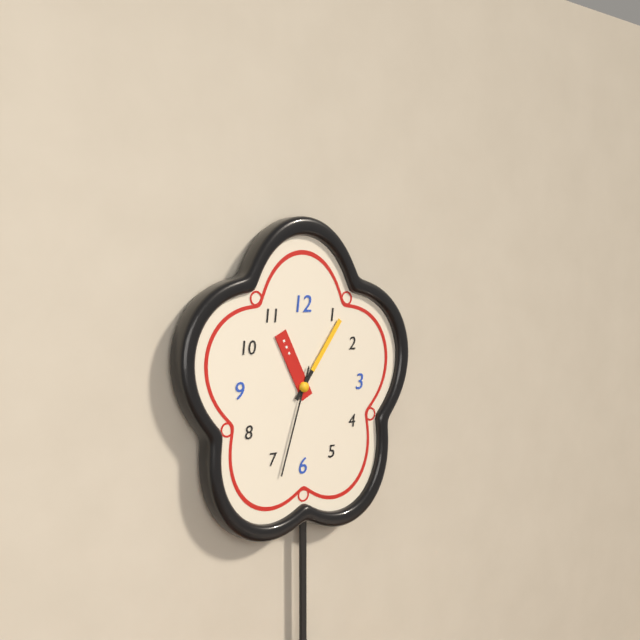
11h06m33s
